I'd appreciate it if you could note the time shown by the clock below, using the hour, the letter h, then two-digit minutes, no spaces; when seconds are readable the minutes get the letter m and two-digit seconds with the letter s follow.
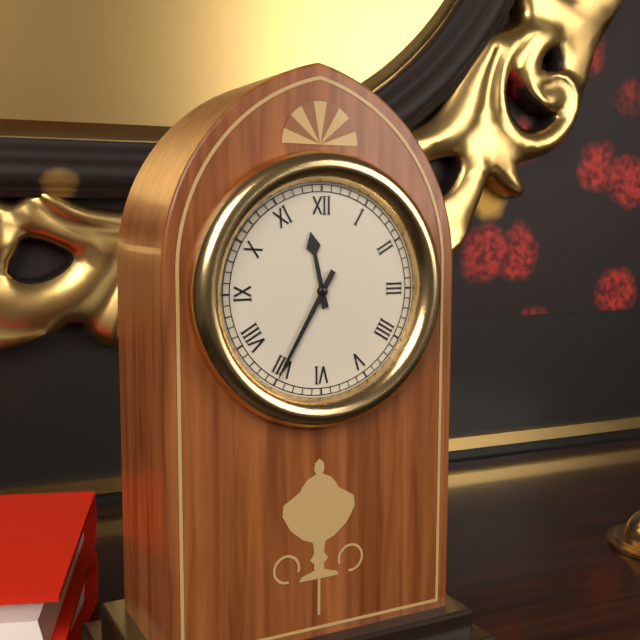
11h35
